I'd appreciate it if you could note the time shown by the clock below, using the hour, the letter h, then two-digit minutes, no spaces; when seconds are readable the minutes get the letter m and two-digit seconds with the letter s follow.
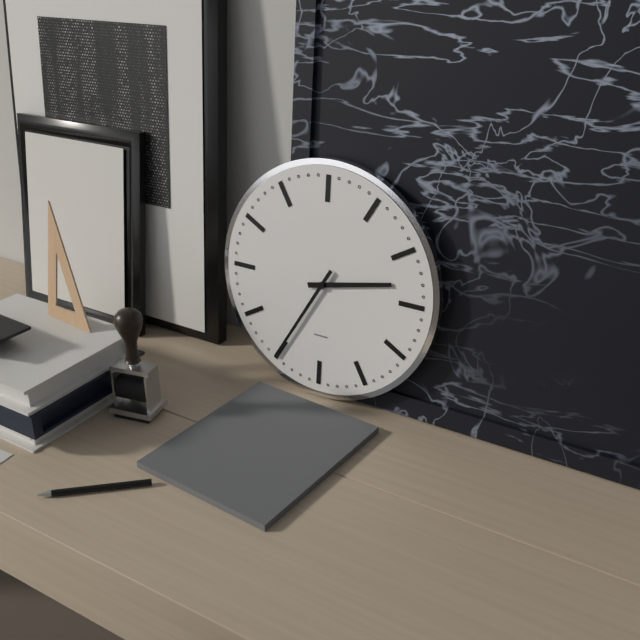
2h35
